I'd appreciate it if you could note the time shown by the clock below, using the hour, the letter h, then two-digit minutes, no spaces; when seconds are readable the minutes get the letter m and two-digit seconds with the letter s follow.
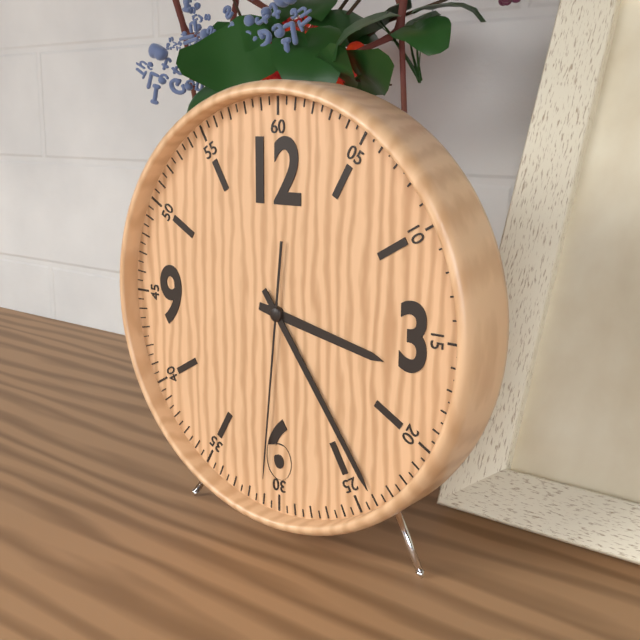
3h24m31s
